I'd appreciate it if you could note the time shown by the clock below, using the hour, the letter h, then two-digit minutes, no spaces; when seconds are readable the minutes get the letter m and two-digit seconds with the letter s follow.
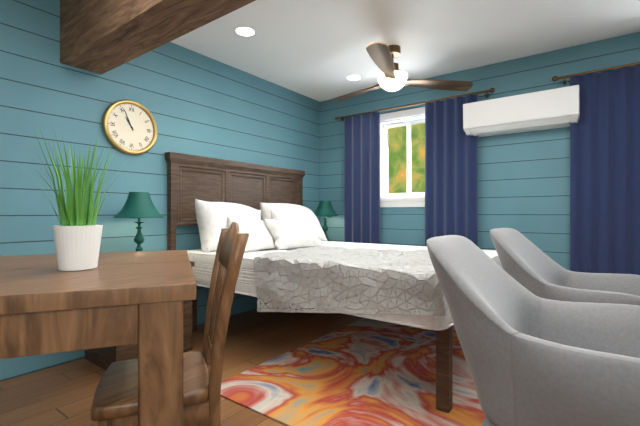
10h56
